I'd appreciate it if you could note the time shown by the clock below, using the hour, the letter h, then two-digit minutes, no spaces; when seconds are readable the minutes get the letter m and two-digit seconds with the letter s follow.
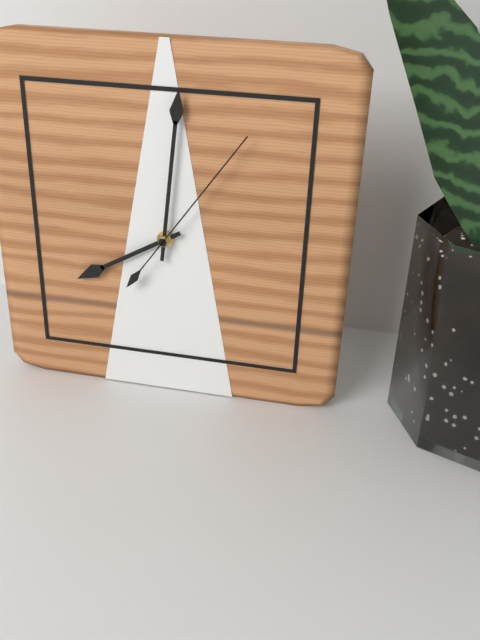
8h01m06s
